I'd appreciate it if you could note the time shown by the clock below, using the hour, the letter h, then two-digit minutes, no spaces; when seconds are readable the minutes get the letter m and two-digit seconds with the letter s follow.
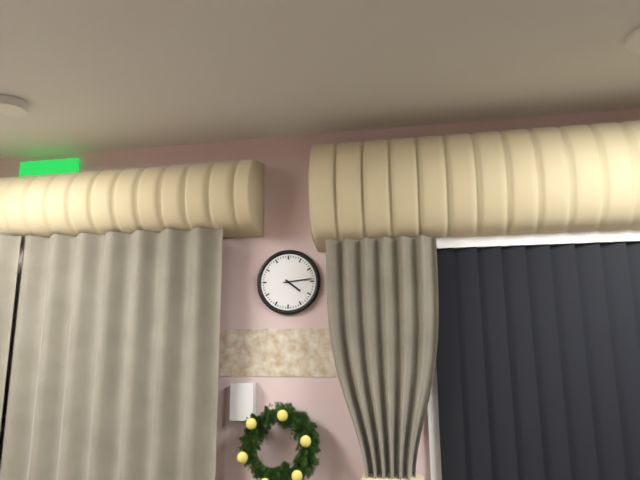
4h14
